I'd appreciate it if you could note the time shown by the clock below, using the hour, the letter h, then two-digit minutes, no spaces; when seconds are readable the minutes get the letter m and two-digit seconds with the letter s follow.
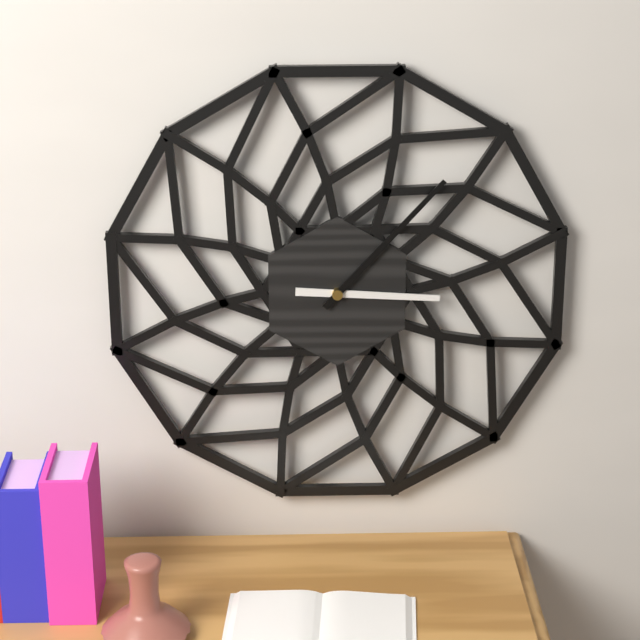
3h07
